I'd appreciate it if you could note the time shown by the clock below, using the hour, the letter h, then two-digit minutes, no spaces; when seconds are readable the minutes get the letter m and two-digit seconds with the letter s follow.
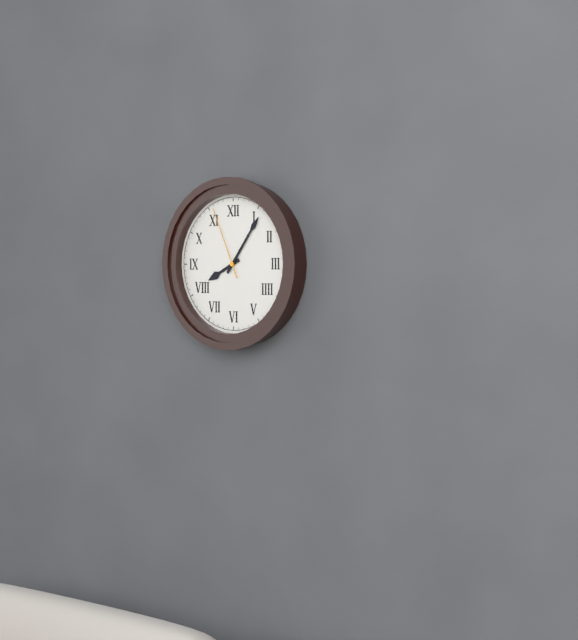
8h06m56s
